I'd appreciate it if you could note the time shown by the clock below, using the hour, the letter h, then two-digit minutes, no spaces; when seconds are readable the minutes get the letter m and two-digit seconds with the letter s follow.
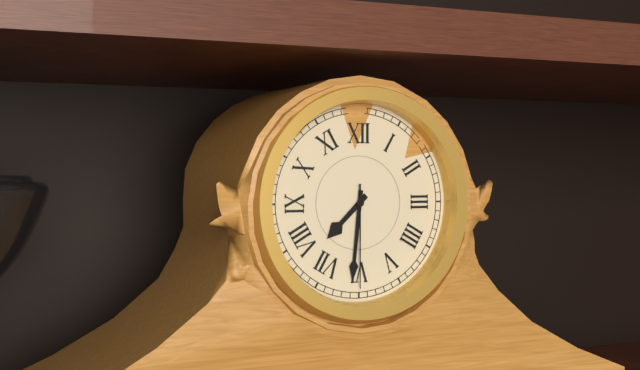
7h31m30s
